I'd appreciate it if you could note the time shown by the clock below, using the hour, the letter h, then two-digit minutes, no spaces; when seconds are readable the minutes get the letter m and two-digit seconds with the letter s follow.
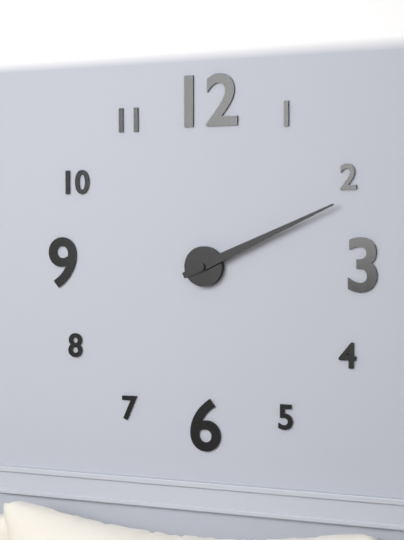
2h11
